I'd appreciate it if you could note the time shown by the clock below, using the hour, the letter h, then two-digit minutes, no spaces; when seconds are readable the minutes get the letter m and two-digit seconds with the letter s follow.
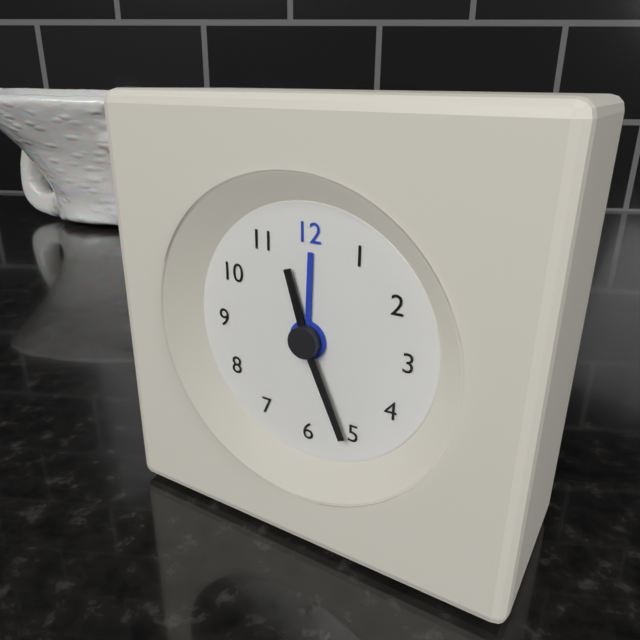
11h26
